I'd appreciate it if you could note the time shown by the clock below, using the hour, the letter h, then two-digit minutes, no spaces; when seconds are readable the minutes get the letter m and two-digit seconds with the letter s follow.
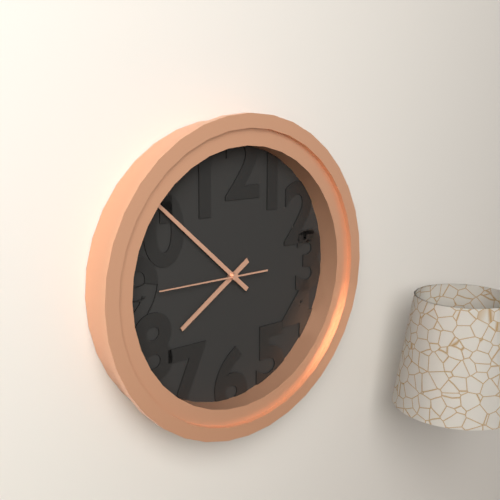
7h52m45s
